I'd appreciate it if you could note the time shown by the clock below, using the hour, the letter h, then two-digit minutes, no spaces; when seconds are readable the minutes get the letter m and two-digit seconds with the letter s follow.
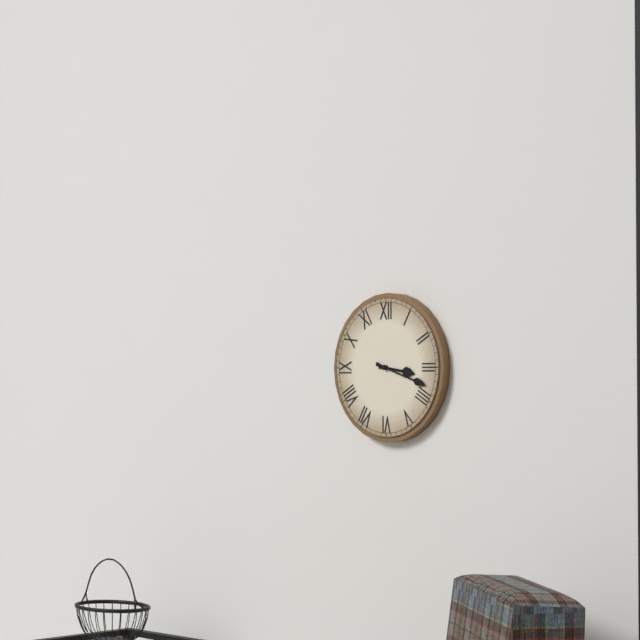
3h18
